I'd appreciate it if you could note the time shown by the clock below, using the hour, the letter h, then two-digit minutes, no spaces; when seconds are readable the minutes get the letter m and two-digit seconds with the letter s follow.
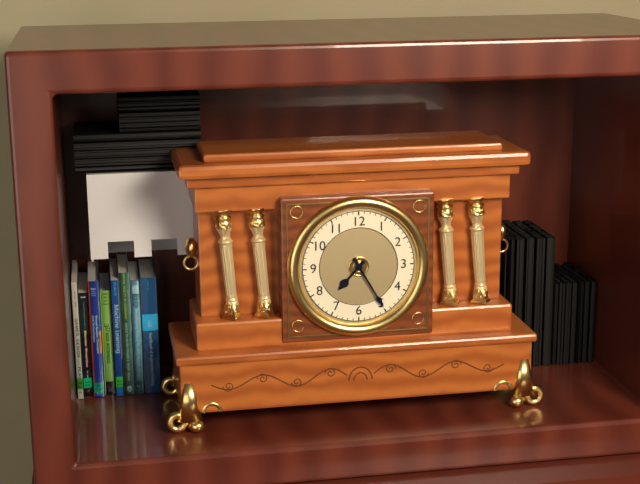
7h25
